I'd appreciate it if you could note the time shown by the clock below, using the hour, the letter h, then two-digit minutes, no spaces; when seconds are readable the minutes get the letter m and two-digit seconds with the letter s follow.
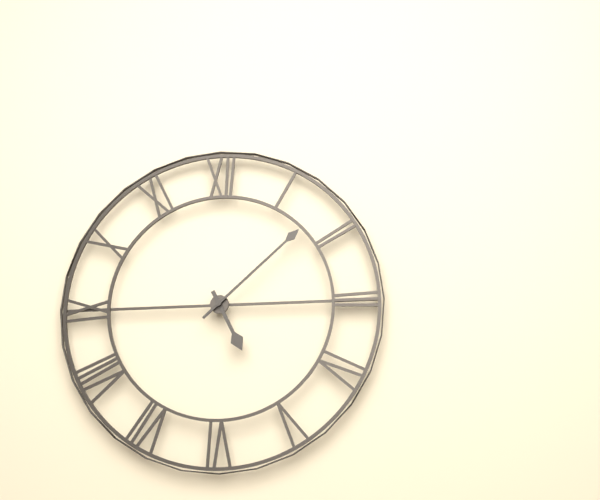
5h08
